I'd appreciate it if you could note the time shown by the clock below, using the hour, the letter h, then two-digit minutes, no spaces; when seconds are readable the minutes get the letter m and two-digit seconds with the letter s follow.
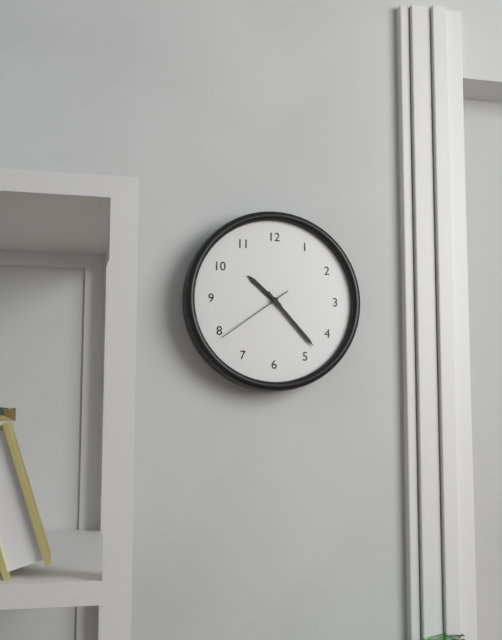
10h23m39s
